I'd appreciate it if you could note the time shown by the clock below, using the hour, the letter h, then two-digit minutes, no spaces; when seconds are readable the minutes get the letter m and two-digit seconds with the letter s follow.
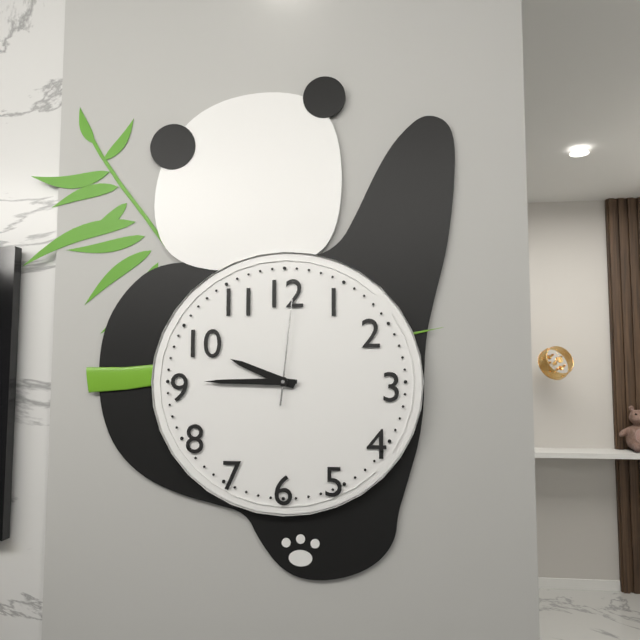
9h45m01s
